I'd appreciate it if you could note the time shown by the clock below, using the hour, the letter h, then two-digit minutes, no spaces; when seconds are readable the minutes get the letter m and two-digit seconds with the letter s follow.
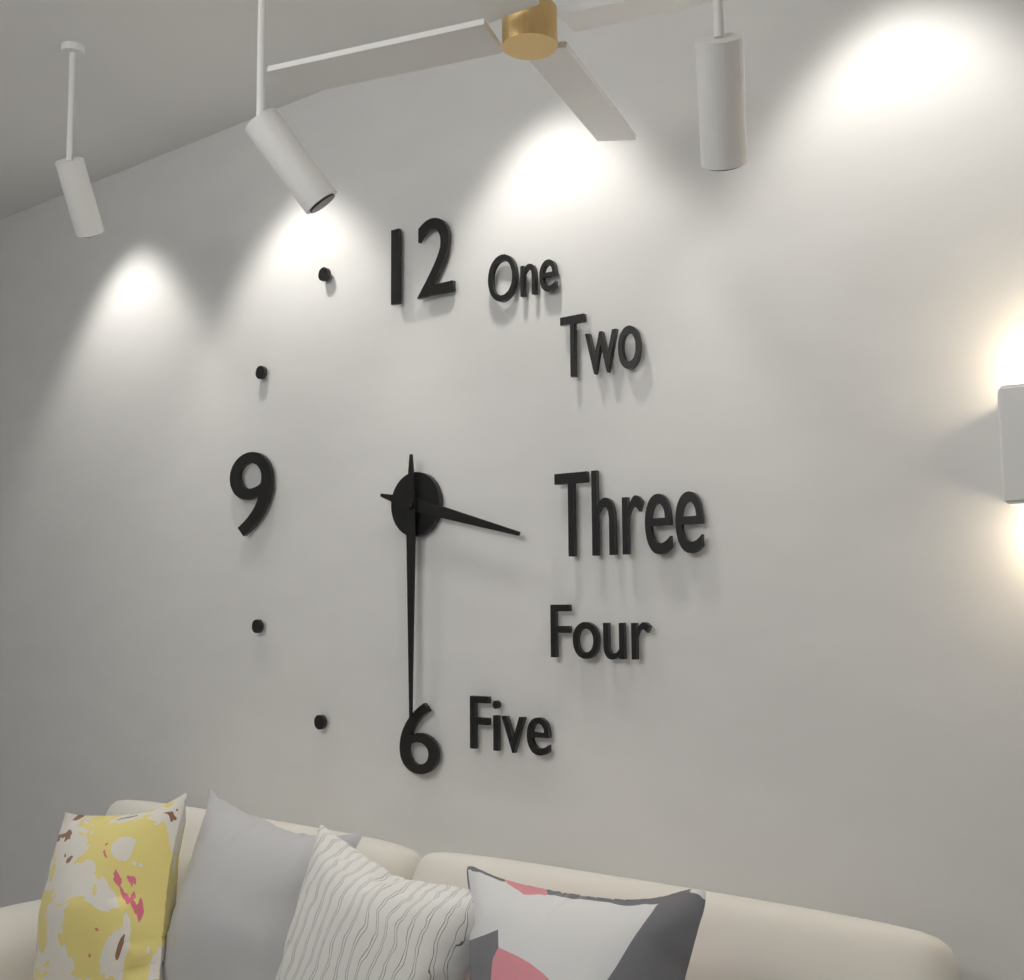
3h30
